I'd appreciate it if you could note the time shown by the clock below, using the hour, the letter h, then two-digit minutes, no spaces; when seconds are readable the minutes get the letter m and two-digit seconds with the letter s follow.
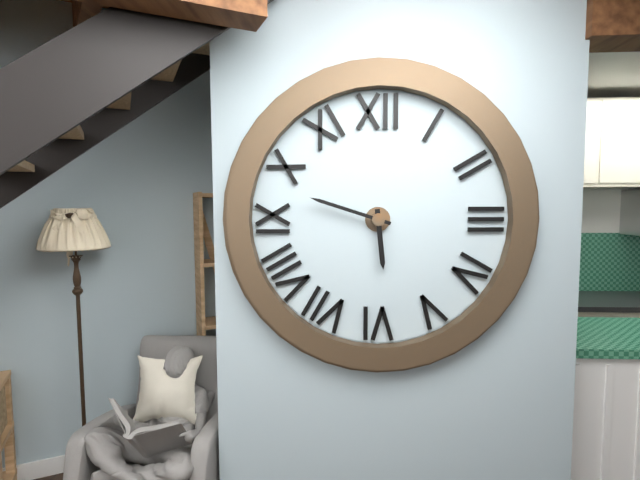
5h48
